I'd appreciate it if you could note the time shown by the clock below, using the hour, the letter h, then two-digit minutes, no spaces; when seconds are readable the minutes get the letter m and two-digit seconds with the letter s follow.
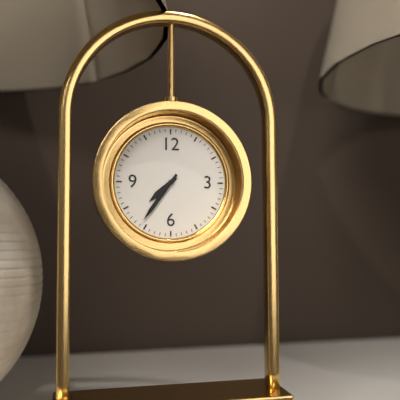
7h36
